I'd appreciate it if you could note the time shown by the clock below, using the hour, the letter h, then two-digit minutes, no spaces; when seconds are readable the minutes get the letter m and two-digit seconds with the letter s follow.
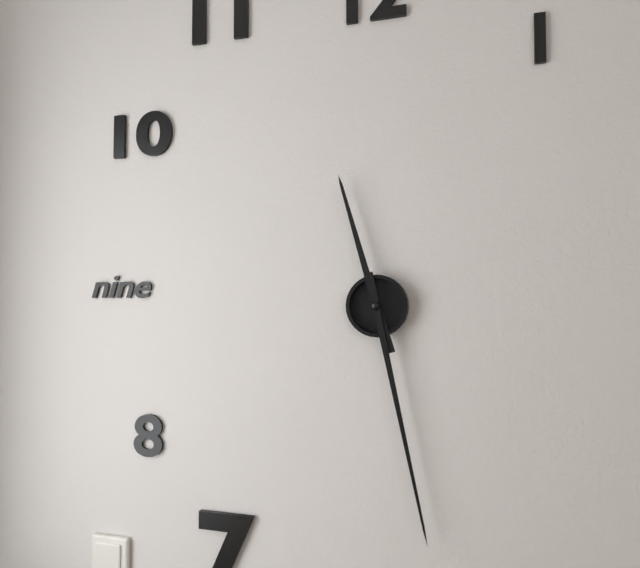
11h28
